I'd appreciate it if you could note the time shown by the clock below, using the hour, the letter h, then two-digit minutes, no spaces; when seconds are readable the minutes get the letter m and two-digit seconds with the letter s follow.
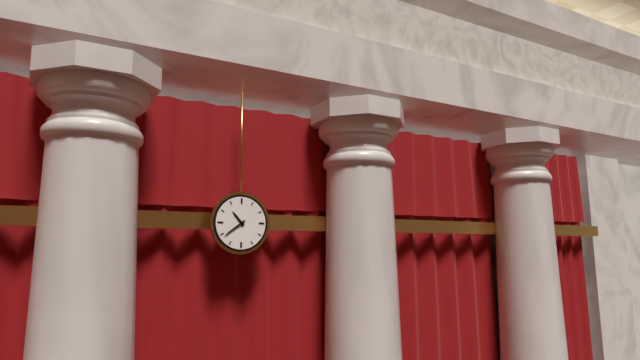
10h39
